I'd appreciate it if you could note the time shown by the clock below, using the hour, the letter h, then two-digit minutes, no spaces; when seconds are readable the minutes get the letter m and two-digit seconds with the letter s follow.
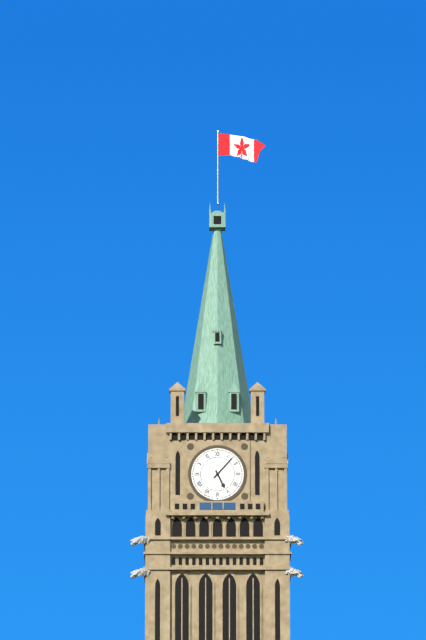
5h07
